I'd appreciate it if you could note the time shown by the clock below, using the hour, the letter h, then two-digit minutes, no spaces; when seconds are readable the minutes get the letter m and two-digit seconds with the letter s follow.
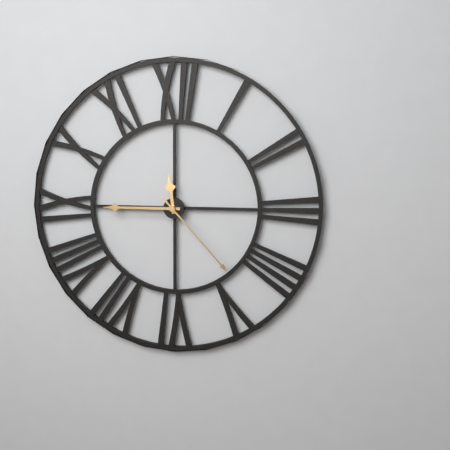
11h45m23s
